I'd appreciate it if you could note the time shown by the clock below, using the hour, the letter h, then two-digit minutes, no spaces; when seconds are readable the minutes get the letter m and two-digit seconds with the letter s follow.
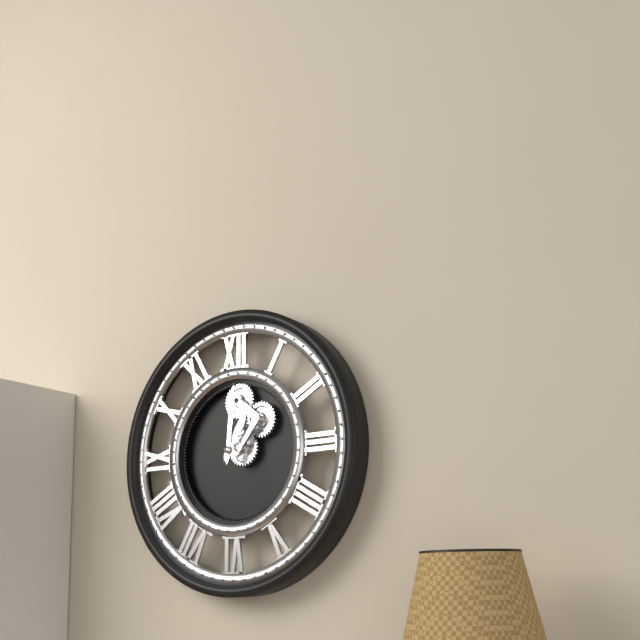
1h01
